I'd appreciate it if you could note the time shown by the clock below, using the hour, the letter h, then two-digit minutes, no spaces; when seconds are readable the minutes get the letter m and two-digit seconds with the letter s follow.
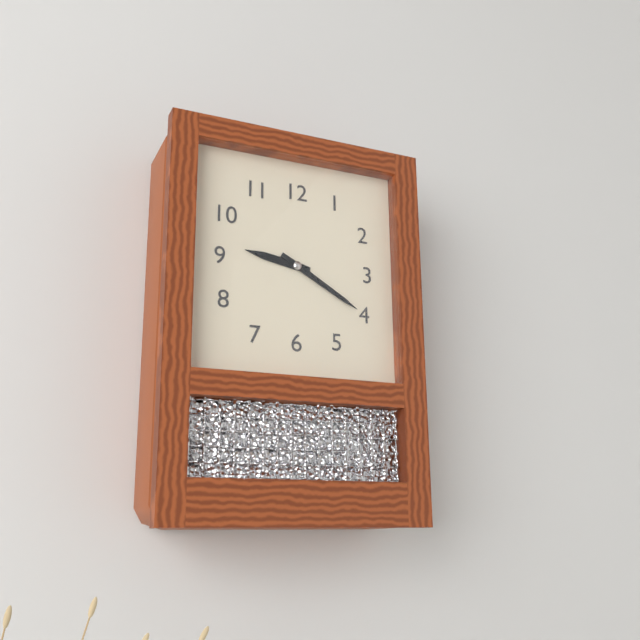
9h20
